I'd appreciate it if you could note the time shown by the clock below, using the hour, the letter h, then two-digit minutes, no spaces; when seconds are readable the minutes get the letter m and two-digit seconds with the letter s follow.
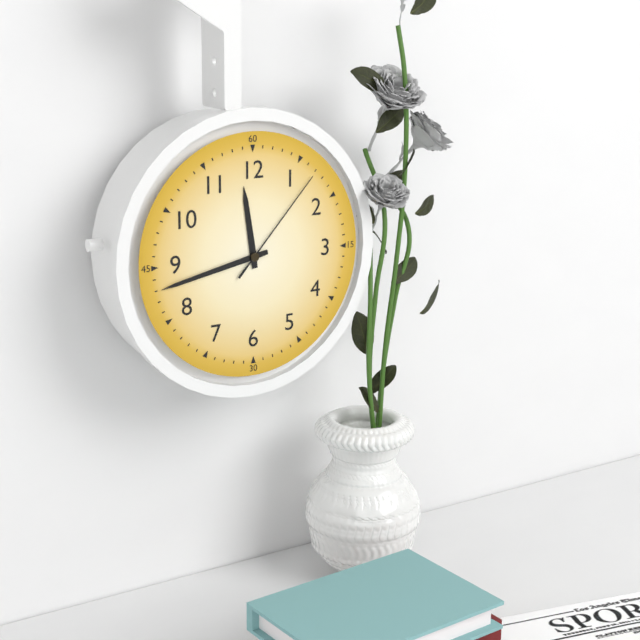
11h43m07s
